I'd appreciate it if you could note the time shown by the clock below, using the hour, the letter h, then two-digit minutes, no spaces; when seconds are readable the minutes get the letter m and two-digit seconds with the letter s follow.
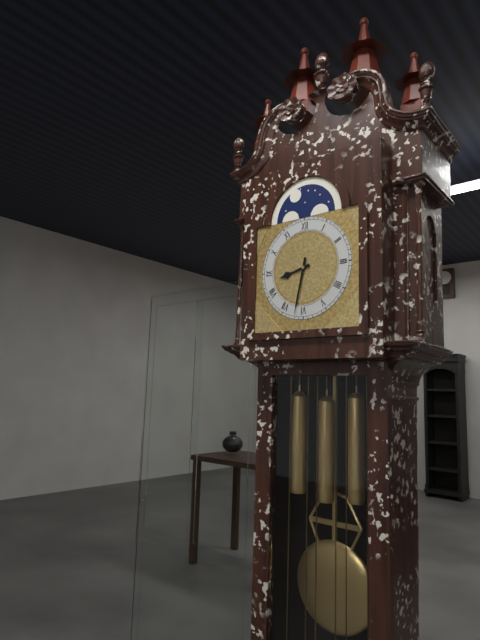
8h32
